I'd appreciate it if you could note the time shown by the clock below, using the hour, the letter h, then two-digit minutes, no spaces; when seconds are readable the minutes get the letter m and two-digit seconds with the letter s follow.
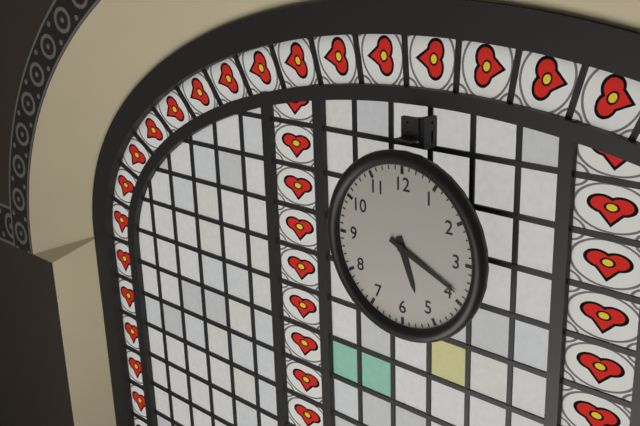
5h19
